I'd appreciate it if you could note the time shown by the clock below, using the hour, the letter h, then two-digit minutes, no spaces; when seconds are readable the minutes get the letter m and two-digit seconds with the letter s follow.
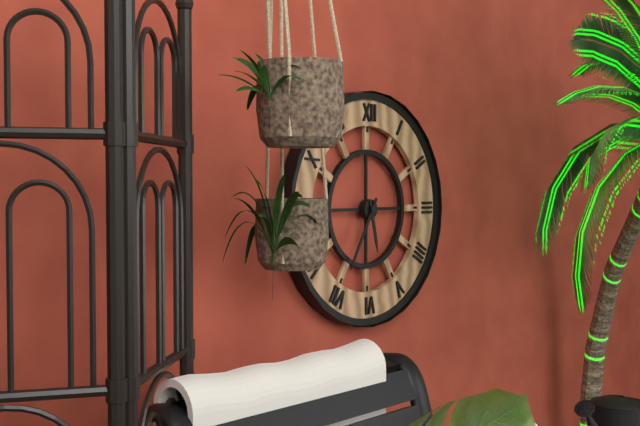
5h35
